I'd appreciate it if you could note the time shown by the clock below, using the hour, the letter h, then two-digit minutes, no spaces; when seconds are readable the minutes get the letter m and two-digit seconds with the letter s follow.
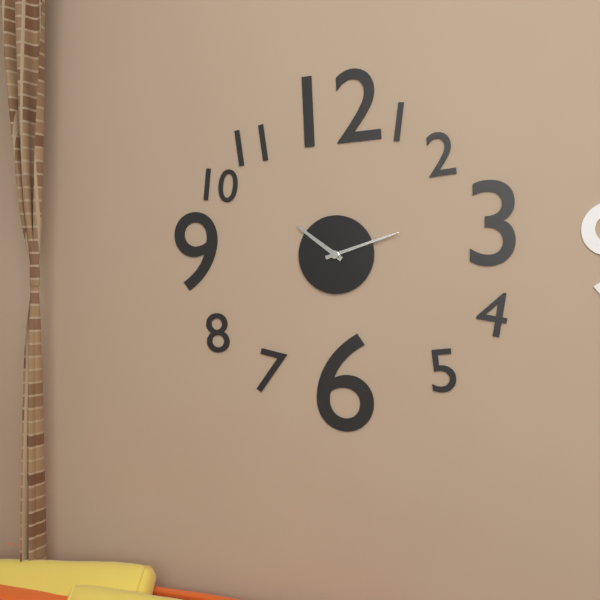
10h12
